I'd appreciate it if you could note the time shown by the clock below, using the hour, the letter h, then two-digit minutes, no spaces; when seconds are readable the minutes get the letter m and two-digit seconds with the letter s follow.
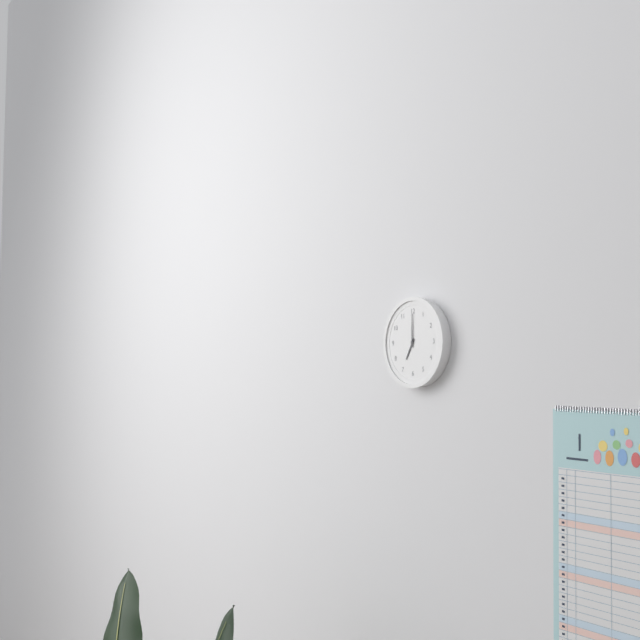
7h00
